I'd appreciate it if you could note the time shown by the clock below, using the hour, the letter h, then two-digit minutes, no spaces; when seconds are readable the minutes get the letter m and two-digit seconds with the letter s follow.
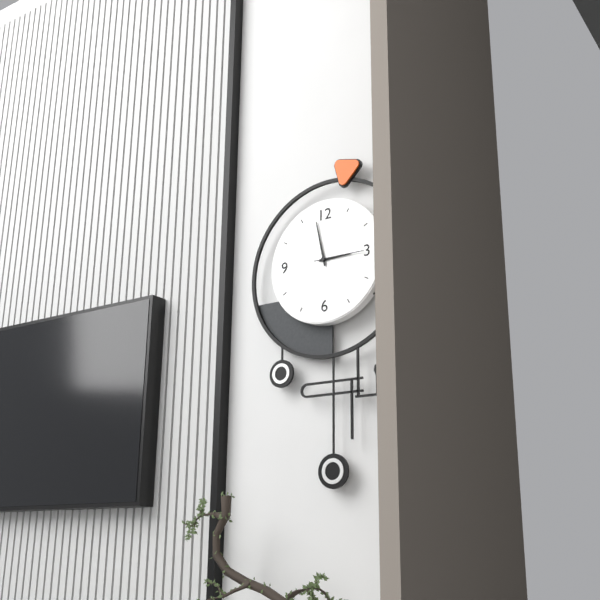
2h58m15s
